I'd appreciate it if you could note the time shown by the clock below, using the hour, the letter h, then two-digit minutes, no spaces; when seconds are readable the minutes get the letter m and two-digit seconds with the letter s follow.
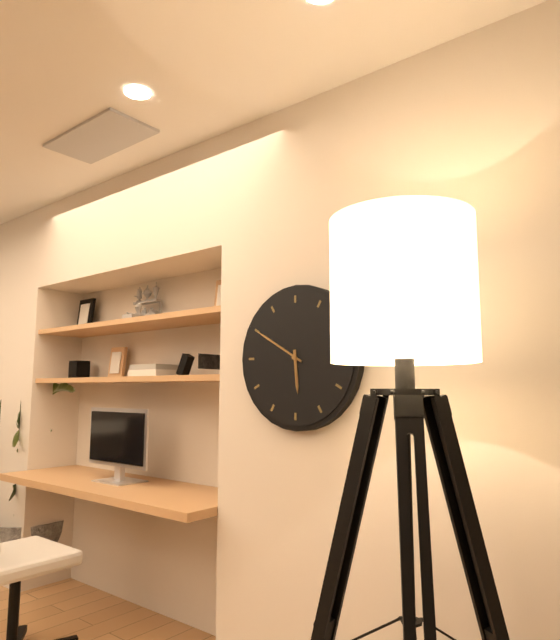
5h50
